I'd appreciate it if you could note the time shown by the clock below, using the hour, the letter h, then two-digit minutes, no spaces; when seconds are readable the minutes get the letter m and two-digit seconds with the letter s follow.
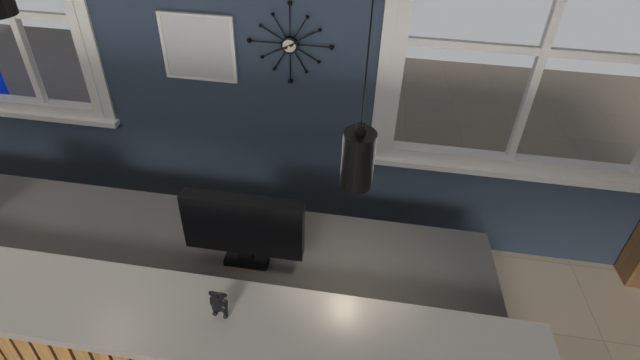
8h09
